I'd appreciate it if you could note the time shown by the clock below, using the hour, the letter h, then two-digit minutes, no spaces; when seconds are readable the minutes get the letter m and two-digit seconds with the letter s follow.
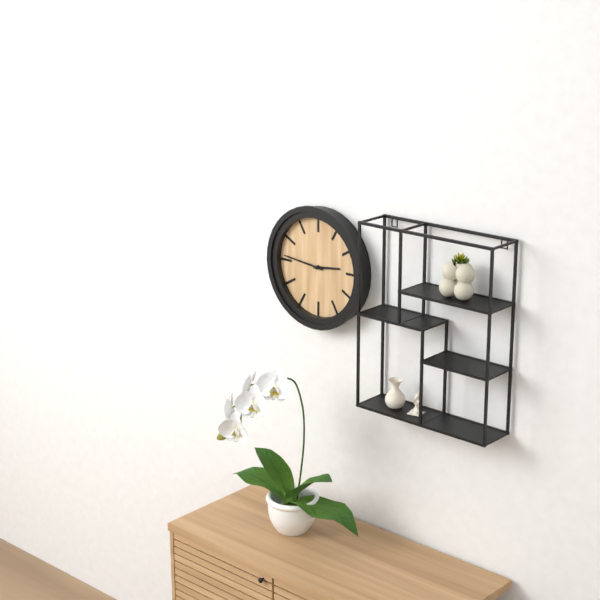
2h46
